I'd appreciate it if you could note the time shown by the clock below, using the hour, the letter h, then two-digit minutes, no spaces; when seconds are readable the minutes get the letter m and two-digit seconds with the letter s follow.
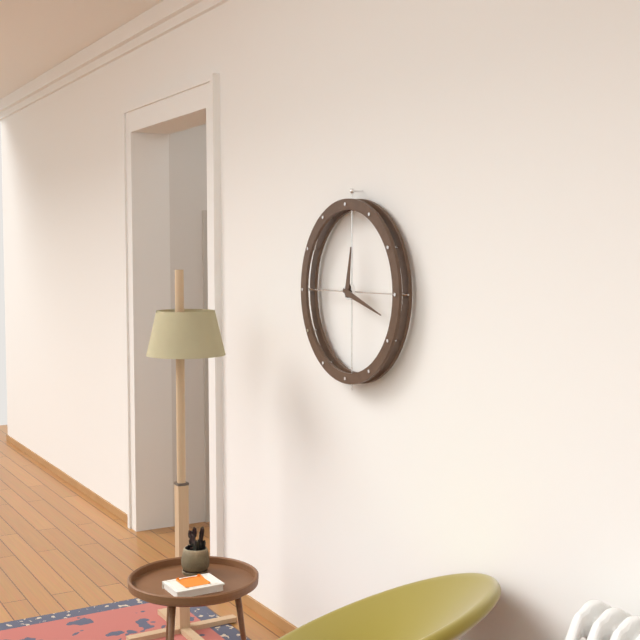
12h18
